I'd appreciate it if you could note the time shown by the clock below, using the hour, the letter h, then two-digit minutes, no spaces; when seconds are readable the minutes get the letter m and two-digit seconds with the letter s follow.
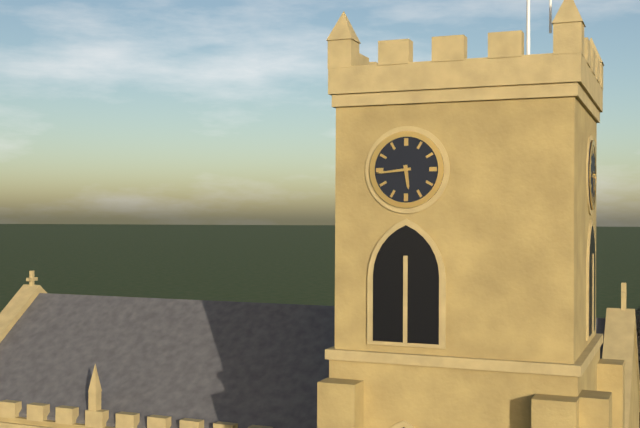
5h44
